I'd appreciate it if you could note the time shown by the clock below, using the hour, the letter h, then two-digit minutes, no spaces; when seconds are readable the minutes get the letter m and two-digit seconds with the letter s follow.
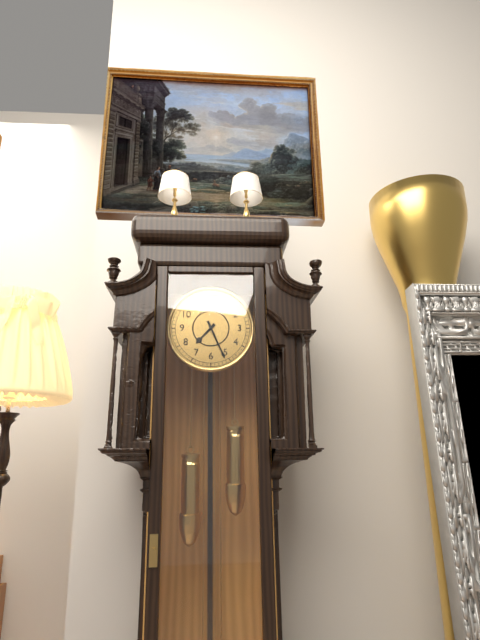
7h26
